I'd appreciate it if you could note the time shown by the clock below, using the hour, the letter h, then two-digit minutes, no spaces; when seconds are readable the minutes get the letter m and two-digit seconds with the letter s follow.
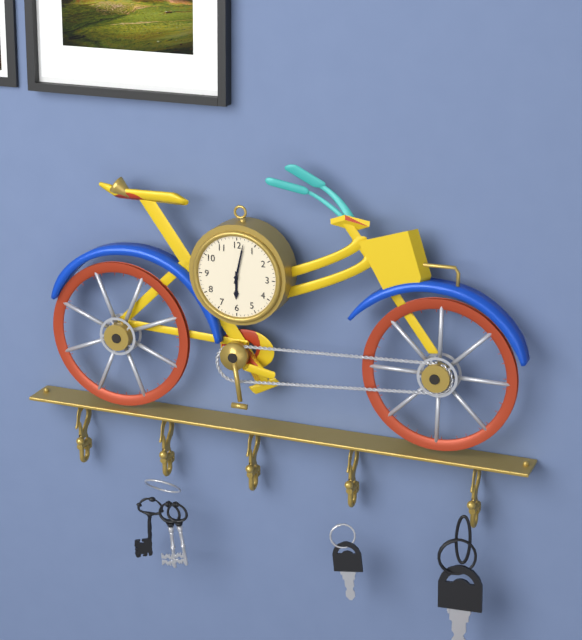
6h02
